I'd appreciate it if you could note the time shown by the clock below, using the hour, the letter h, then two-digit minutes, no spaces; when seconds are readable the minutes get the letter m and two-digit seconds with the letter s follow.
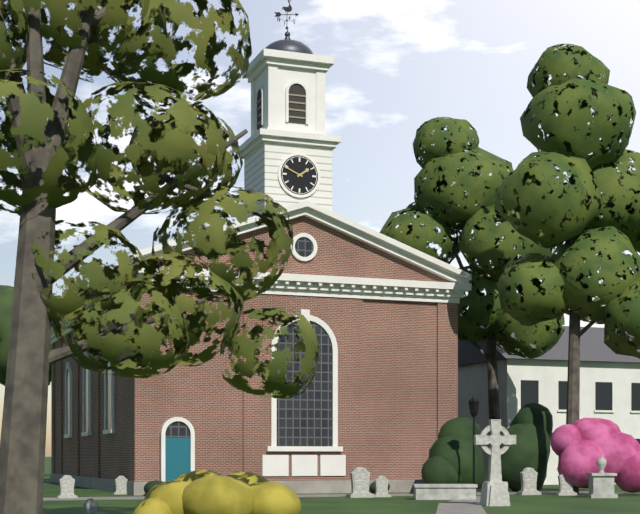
1h49
